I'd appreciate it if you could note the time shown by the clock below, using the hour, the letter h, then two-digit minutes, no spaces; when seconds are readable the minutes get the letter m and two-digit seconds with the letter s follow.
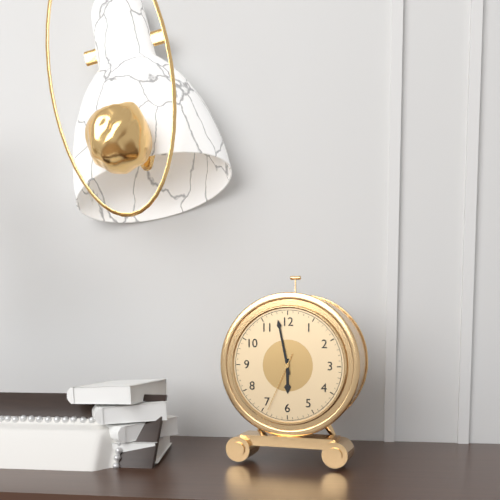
5h58m34s
